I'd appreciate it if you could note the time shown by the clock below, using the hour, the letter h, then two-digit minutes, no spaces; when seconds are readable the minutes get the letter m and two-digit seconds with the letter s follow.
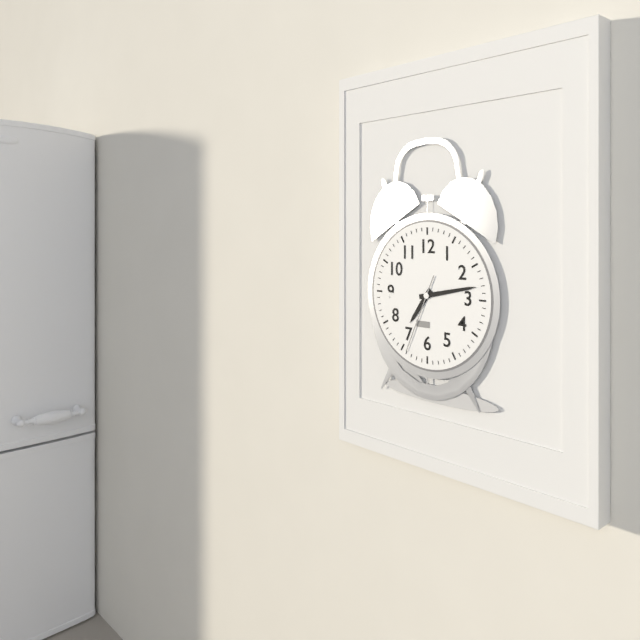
7h13m34s
